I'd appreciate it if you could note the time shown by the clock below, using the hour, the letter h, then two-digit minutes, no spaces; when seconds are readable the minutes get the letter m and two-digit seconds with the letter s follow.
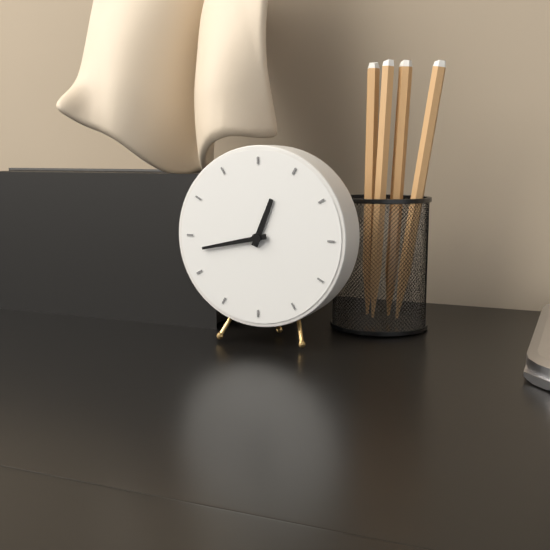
12h43
